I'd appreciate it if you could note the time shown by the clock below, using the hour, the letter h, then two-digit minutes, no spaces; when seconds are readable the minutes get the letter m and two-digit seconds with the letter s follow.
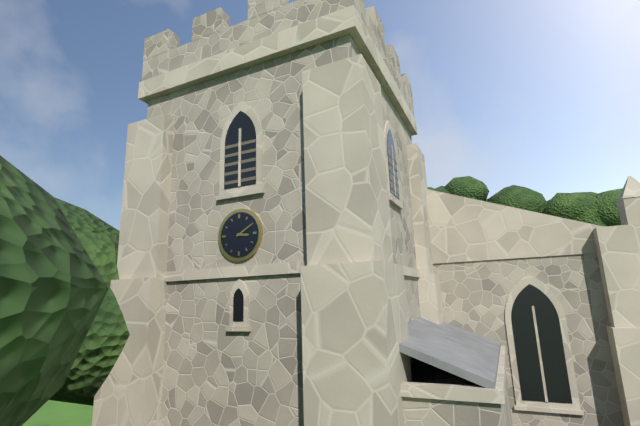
3h10
